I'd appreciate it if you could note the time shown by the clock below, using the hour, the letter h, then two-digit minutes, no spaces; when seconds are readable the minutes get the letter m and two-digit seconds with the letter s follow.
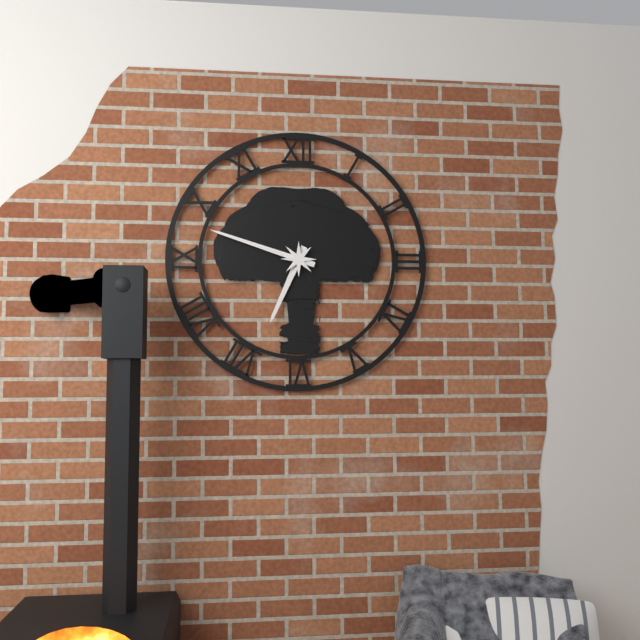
6h48
